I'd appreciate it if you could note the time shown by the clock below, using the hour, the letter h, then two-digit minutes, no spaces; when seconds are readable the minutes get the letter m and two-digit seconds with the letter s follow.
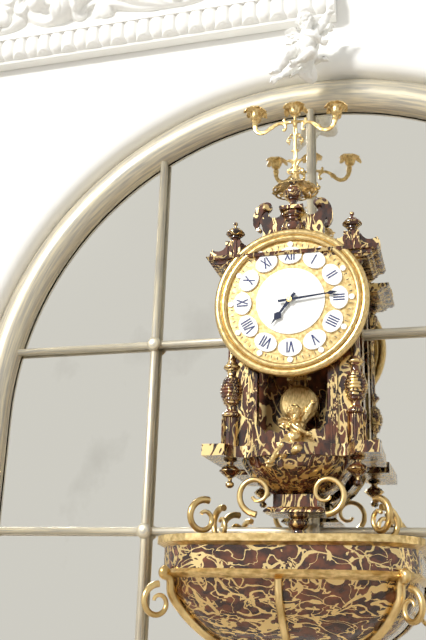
7h14
